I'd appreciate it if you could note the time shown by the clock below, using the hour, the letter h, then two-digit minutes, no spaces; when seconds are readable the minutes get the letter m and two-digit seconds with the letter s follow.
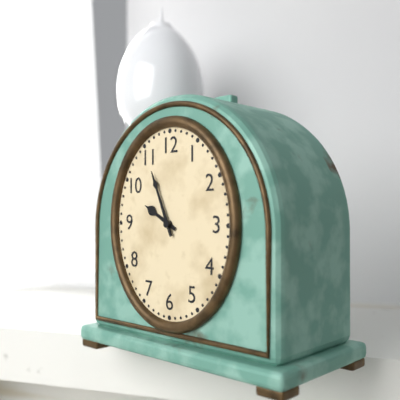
9h56
